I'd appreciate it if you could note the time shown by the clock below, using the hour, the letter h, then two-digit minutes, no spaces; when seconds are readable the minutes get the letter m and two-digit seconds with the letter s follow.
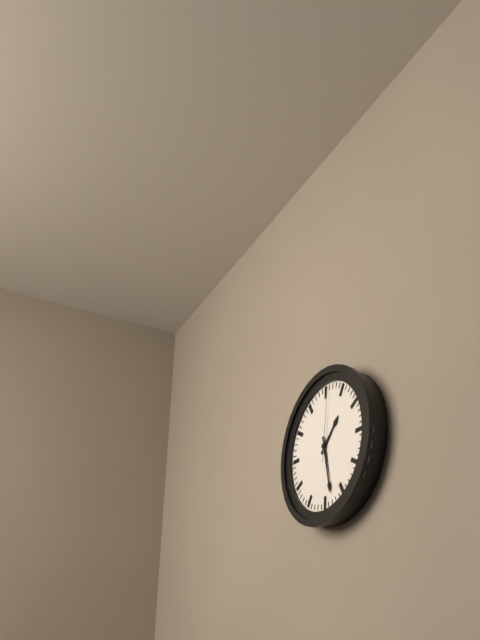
1h28m01s
